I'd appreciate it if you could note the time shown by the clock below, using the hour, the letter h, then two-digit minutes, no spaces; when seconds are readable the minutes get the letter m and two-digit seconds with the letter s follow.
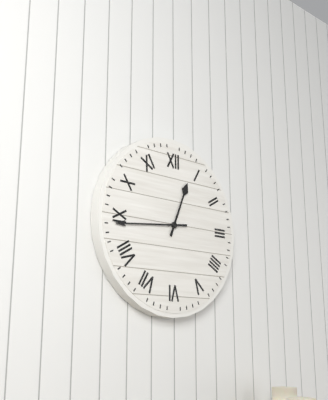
12h44
